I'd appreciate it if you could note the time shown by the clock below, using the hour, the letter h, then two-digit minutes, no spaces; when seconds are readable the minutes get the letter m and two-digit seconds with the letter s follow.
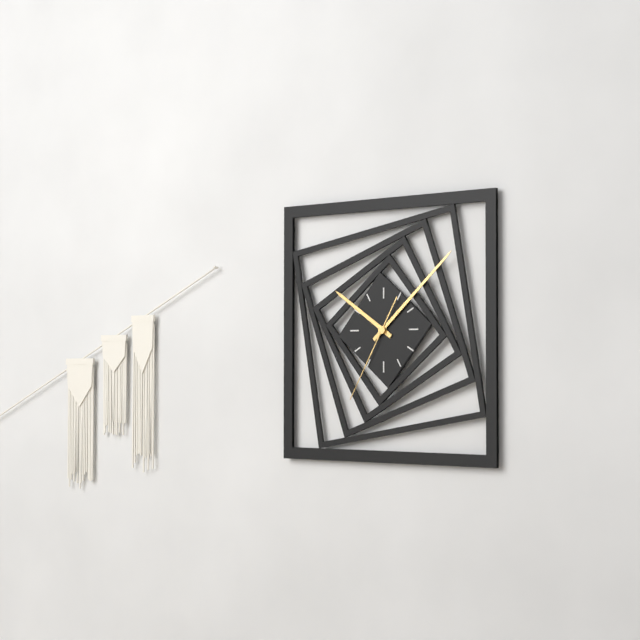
10h08m35s
